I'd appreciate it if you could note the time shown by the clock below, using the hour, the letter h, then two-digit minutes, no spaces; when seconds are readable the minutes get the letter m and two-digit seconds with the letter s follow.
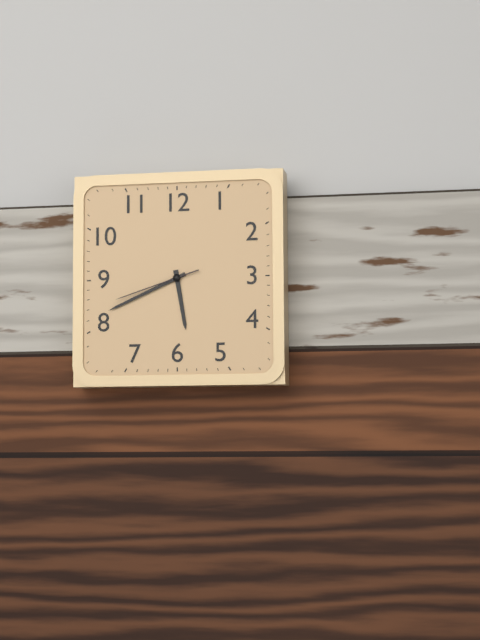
5h41m42s
